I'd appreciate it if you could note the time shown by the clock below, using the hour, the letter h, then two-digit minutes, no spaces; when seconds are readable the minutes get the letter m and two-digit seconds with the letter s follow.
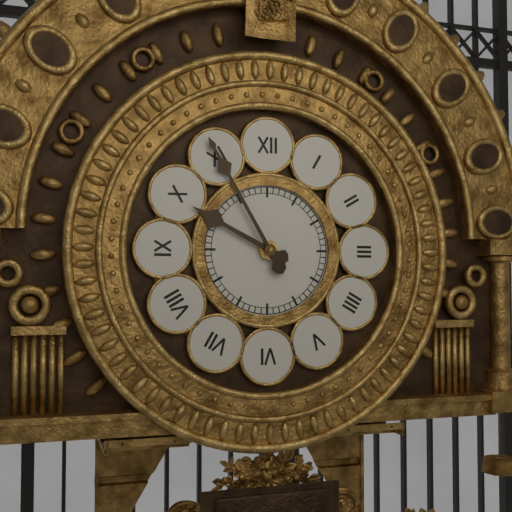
9h55
